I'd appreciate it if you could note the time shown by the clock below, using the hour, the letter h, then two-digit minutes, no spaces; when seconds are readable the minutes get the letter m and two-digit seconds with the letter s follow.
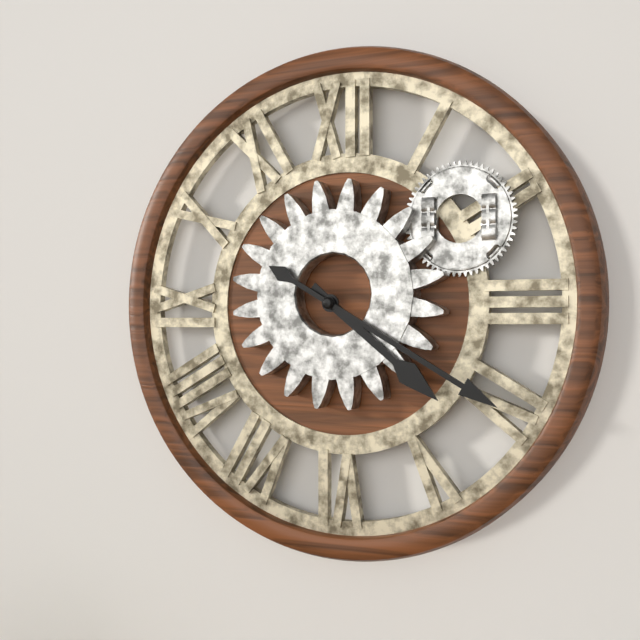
4h20
